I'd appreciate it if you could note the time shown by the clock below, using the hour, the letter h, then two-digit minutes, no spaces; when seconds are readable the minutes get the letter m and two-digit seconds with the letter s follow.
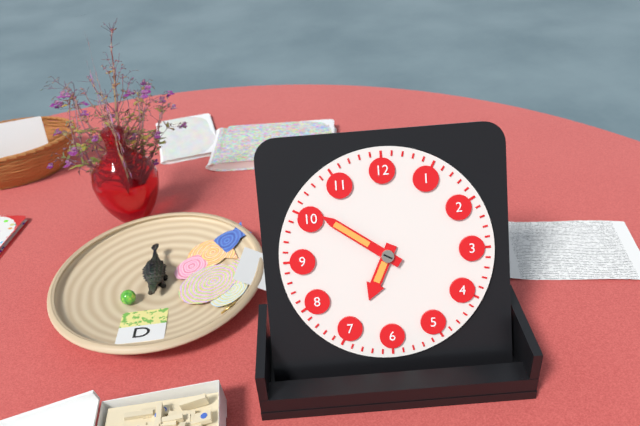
6h51
